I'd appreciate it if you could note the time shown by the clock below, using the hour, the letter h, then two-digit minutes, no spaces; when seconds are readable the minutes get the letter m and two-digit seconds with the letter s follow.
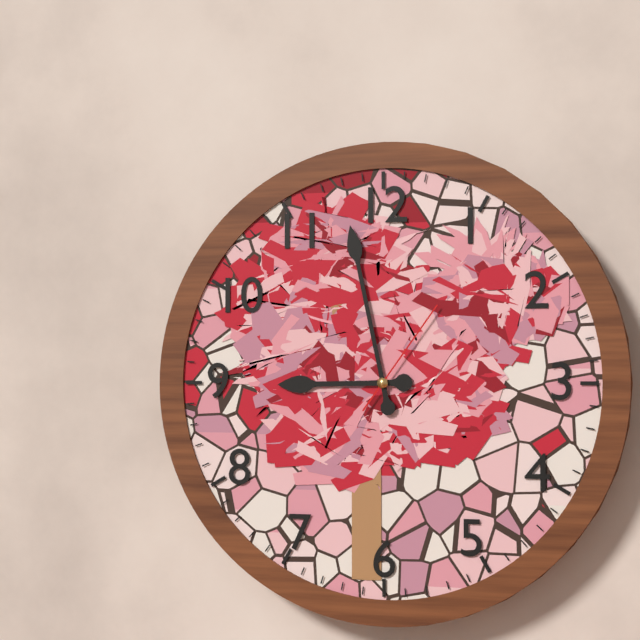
8h58m06s
